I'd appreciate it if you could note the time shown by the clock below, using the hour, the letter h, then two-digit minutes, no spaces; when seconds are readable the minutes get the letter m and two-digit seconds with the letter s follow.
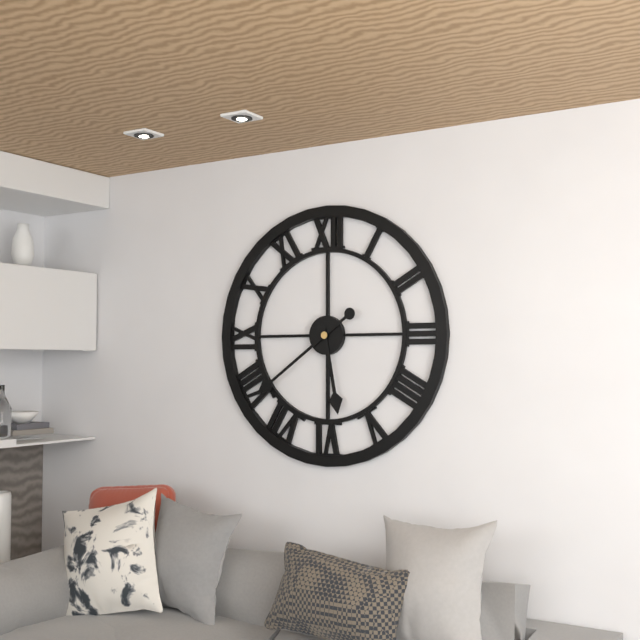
5h39
